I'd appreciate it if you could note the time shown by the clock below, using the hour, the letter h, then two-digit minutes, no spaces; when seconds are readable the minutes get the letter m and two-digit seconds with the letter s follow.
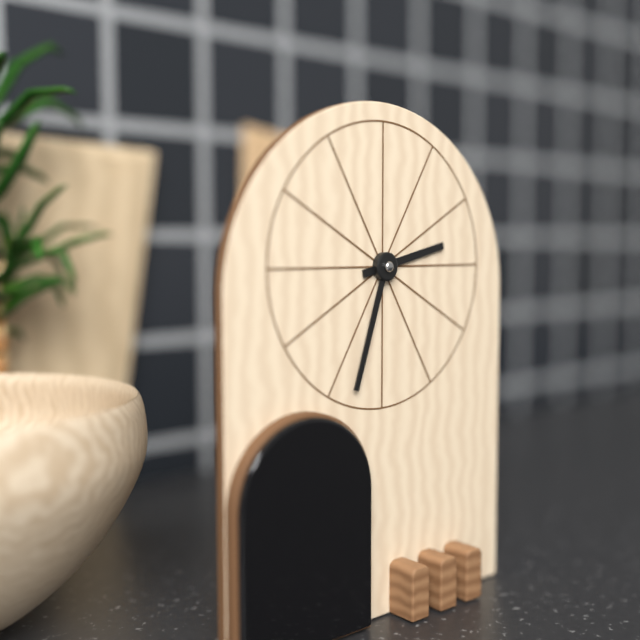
2h33
